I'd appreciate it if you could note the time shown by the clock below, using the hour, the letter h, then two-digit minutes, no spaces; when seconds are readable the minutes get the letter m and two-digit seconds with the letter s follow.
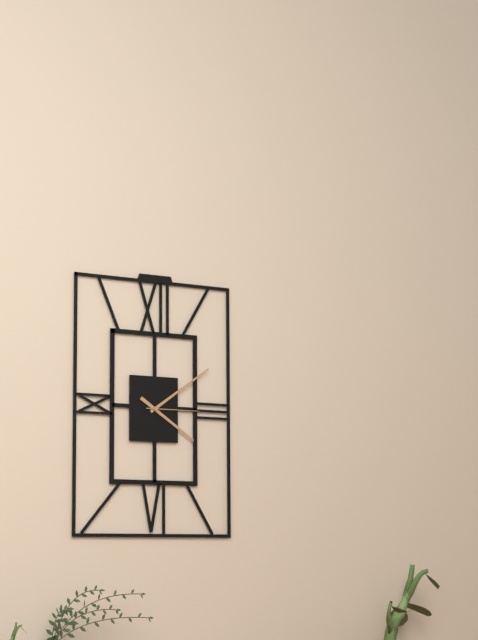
4h09m15s
